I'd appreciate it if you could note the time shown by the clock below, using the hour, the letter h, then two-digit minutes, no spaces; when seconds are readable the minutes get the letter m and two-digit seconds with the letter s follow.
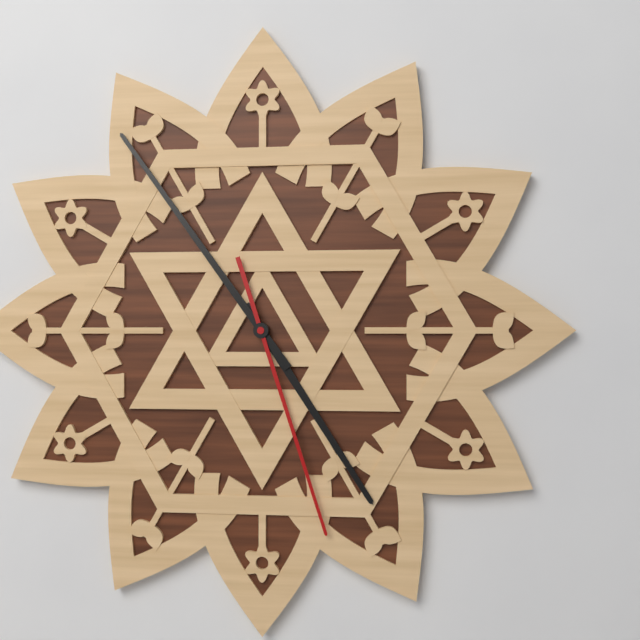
4h54m27s
